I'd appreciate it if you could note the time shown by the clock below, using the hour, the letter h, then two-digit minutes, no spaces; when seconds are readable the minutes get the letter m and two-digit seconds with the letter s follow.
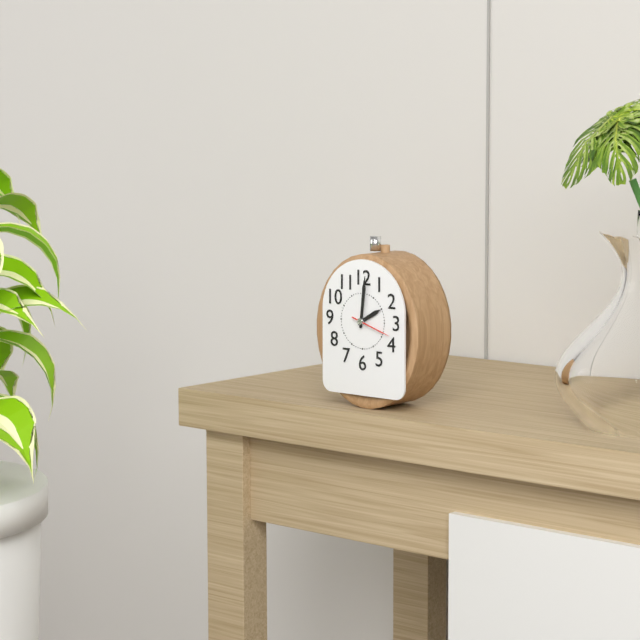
2h01
